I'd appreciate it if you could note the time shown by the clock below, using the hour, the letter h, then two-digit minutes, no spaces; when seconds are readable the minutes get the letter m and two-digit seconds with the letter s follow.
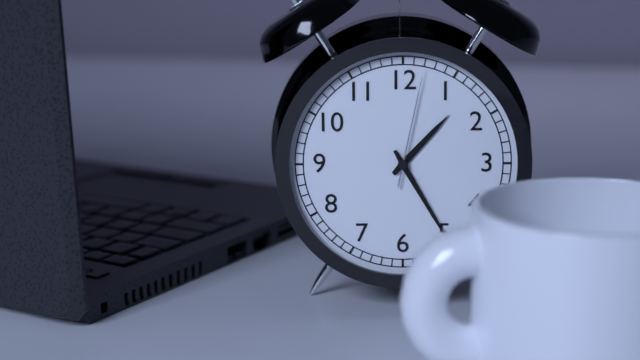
1h25m02s
